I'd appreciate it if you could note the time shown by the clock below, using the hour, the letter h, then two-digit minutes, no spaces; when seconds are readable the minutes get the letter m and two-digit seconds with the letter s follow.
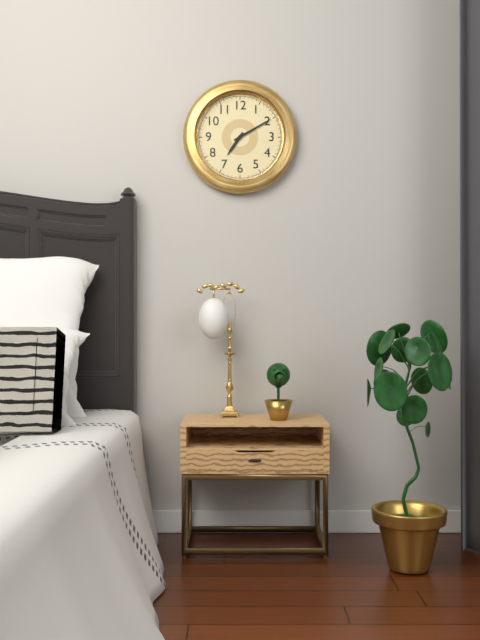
7h10
